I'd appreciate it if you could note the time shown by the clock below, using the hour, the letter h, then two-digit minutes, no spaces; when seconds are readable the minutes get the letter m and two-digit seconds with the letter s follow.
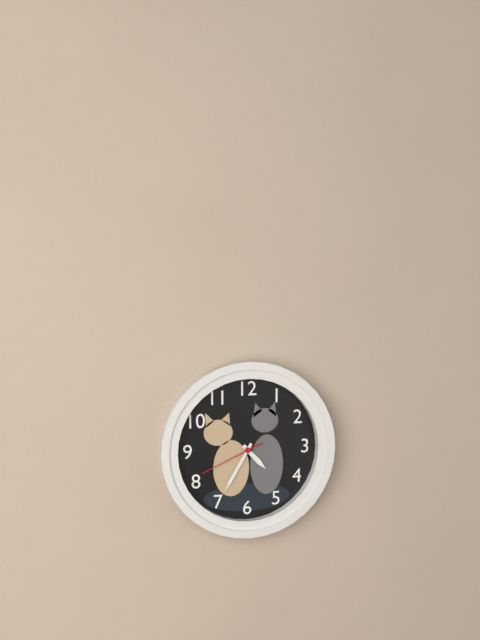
4h35m41s
